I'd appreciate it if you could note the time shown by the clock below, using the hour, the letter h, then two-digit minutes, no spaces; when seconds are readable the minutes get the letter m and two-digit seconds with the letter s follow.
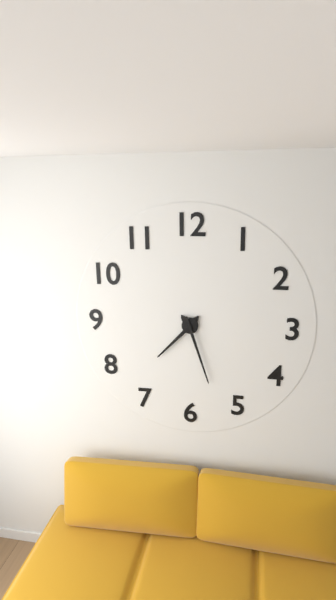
7h27
